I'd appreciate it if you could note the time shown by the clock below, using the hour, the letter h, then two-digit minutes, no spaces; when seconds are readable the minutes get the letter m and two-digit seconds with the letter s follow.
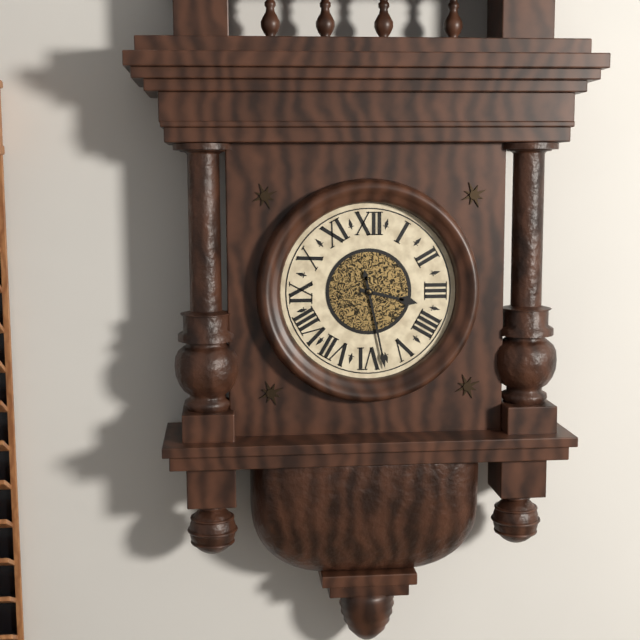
3h28
